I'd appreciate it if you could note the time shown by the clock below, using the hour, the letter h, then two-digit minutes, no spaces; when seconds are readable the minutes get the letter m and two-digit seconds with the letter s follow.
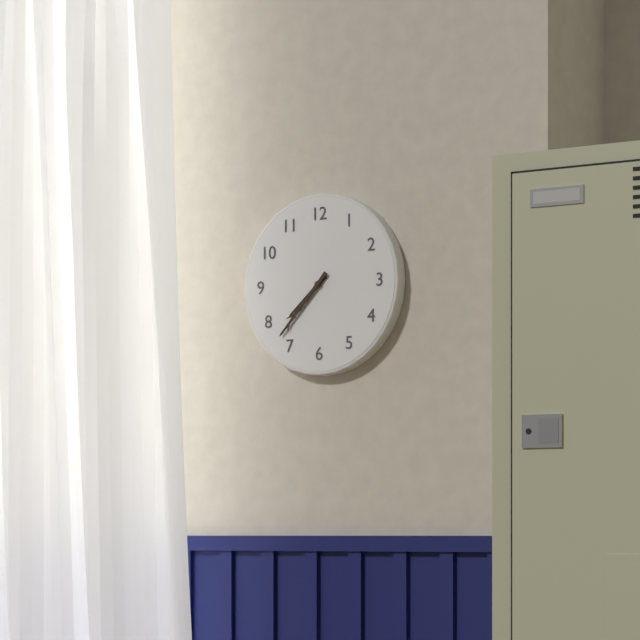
7h37
